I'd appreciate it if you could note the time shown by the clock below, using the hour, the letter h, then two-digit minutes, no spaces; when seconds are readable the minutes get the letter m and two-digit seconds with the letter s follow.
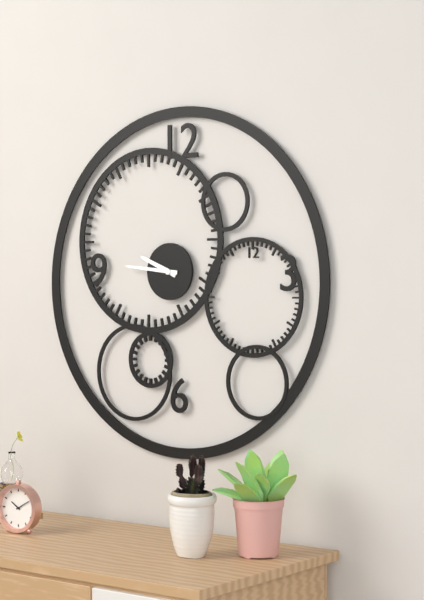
9h46
